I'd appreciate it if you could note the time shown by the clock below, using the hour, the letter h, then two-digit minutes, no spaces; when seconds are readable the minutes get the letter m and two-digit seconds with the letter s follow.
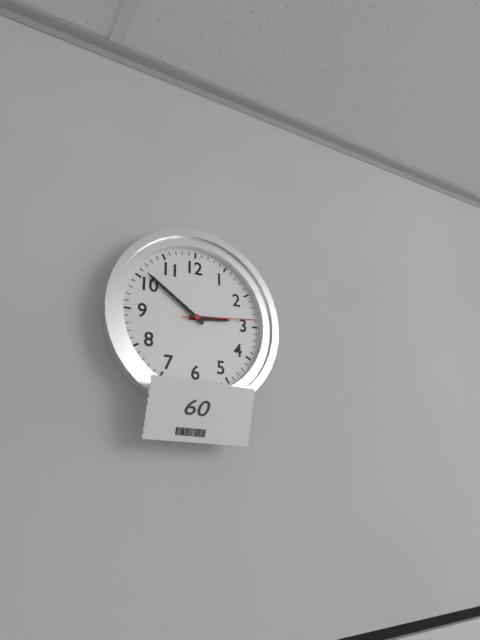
2h51m14s
